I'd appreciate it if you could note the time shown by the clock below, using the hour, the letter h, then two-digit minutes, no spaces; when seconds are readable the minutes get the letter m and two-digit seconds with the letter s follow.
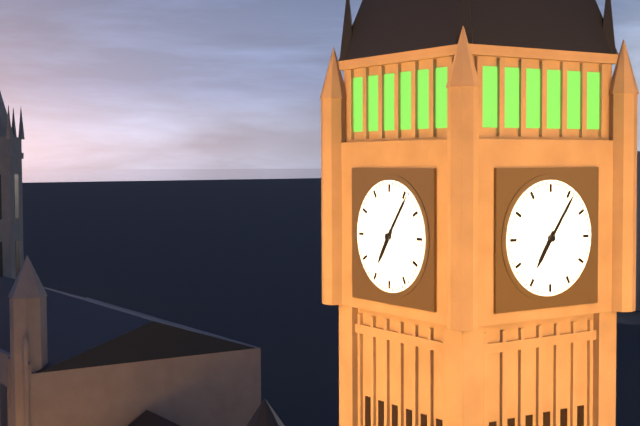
7h06
